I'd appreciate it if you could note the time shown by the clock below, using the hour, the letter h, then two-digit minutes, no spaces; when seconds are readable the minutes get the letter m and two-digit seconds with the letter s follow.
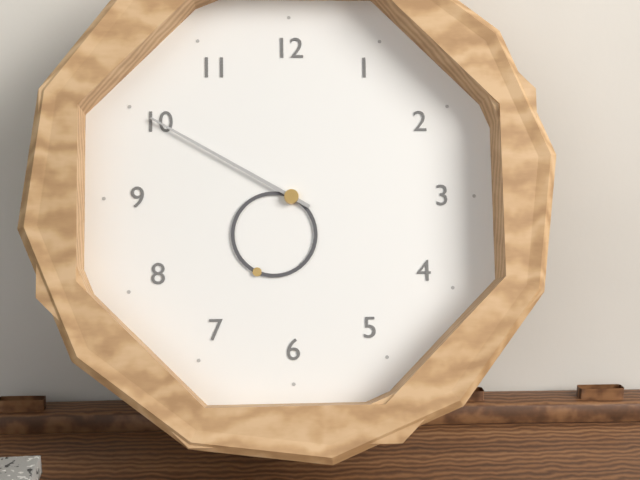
6h50
